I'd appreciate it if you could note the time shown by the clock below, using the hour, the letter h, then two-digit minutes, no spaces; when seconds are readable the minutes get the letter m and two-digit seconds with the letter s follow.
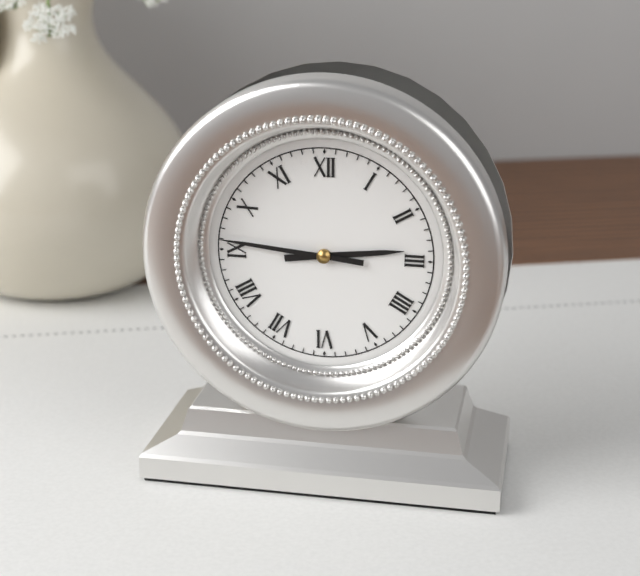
2h46
